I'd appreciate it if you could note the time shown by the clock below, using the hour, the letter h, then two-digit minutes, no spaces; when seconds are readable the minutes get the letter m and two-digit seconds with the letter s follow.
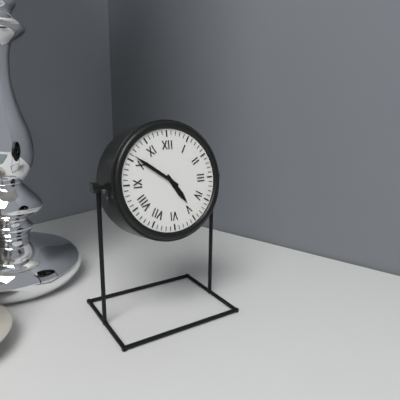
4h51
